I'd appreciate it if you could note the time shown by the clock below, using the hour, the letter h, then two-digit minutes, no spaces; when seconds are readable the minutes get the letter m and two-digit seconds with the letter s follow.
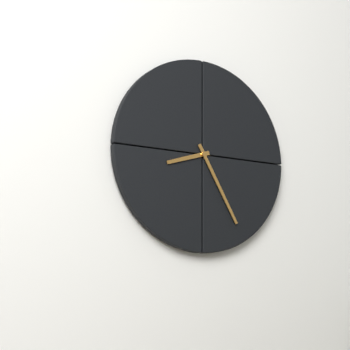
8h25
